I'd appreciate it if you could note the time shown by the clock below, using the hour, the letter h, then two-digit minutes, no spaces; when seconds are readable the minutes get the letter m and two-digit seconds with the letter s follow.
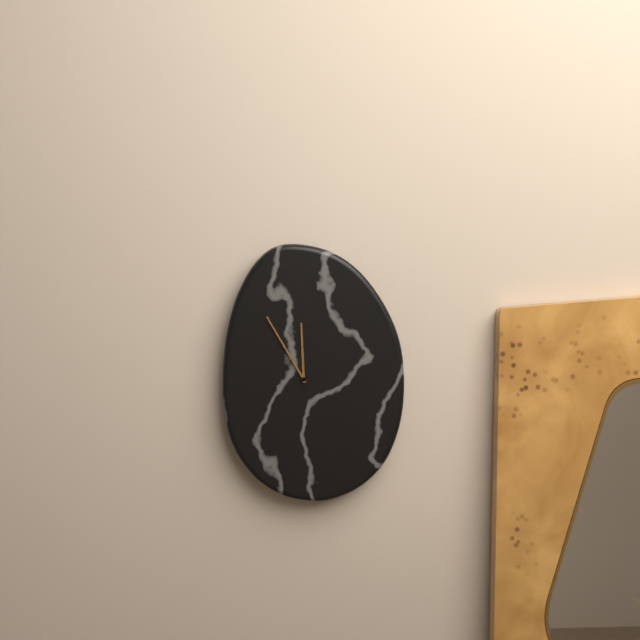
11h55
